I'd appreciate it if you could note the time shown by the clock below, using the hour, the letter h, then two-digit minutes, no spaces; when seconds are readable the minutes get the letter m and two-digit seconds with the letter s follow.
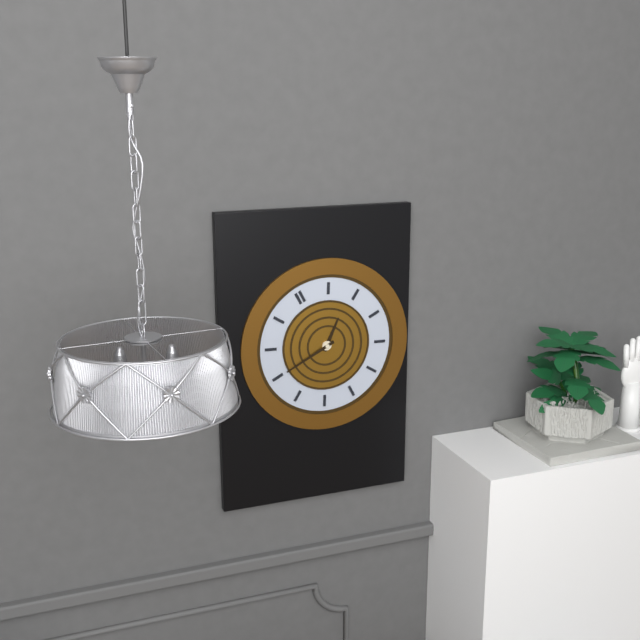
1h45
